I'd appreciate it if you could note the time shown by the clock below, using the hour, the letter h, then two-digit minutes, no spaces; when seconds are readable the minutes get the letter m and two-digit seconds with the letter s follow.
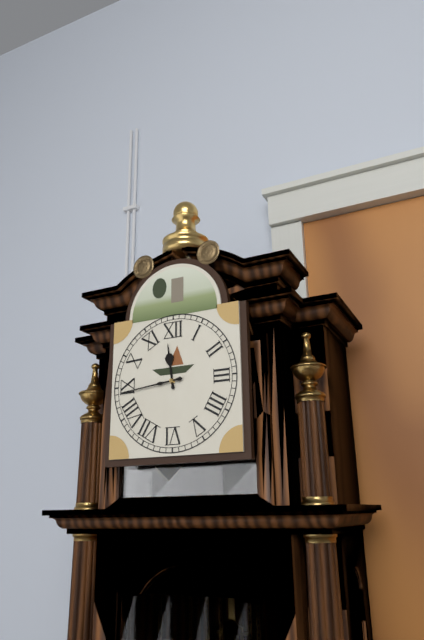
11h44
